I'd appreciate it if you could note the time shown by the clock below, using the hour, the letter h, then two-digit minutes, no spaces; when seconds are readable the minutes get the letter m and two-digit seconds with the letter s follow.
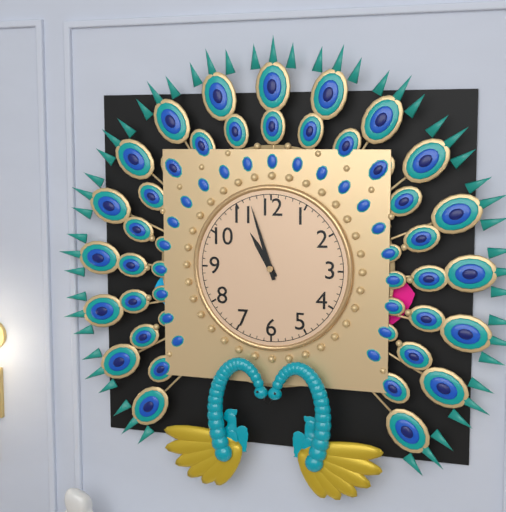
10h57
